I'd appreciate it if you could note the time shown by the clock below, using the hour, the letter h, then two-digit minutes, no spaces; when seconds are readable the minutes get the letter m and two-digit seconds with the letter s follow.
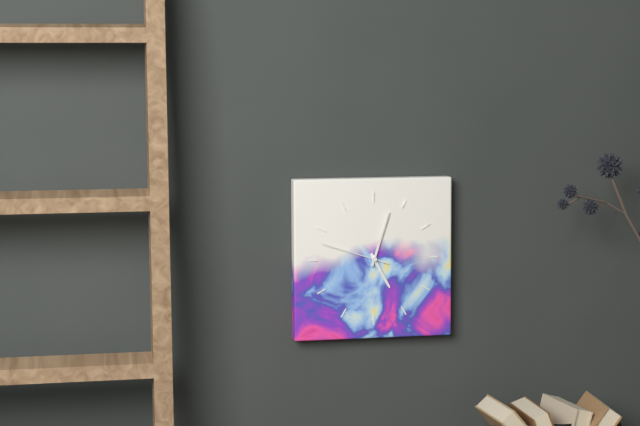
5h03m48s
